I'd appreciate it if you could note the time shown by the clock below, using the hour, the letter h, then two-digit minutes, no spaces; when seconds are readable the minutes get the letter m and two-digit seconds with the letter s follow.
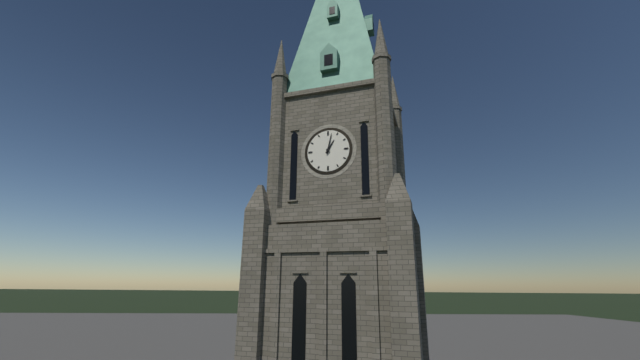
1h02
